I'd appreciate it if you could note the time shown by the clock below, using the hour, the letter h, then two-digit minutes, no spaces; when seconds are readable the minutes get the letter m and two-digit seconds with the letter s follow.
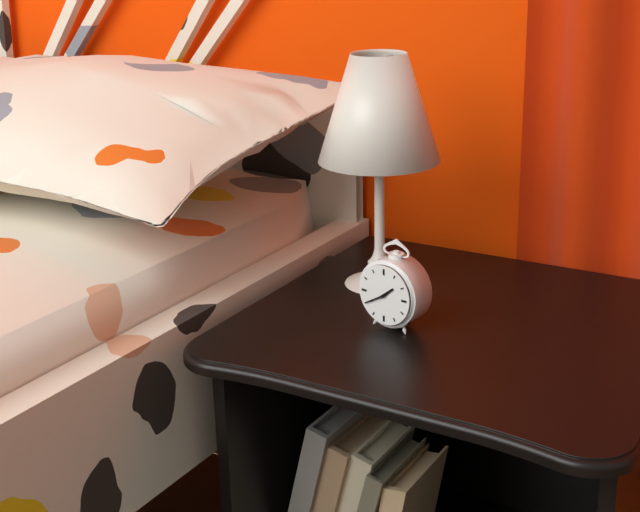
1h40
